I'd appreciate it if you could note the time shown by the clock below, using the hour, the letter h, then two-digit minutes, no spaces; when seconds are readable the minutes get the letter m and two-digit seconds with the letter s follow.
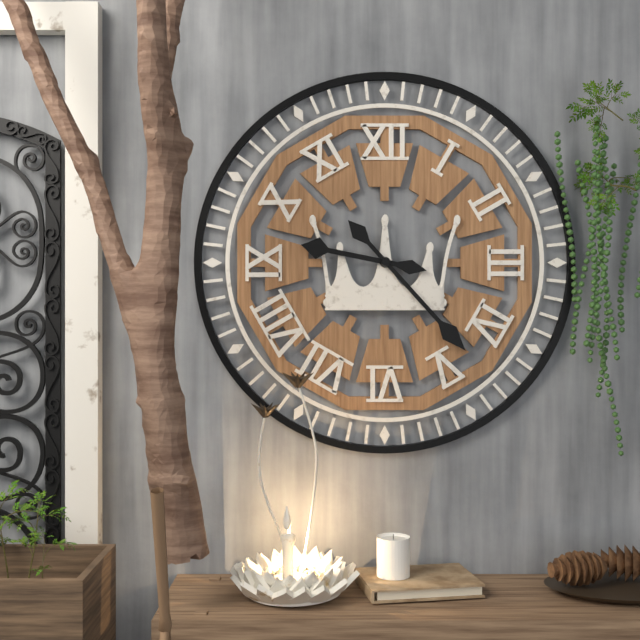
9h23
